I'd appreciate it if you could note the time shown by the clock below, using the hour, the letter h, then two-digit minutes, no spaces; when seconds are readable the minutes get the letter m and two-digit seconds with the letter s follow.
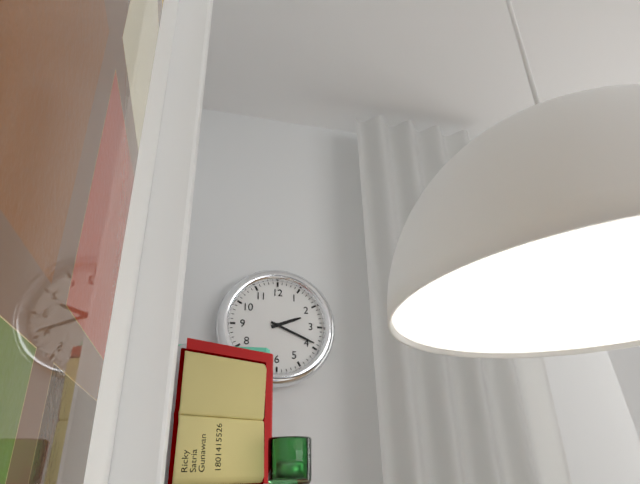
2h19
